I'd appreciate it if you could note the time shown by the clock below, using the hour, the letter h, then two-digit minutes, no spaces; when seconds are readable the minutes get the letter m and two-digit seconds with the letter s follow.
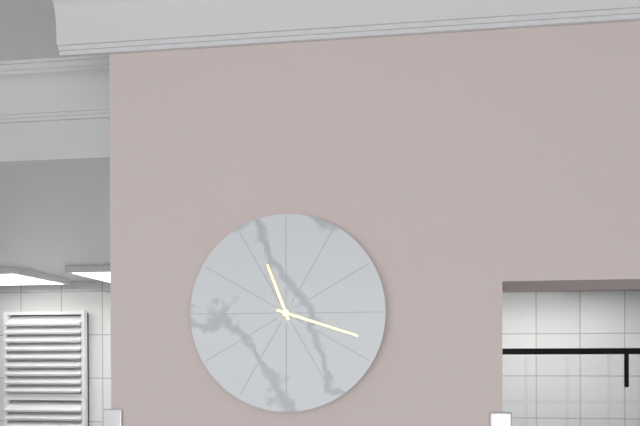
11h18
